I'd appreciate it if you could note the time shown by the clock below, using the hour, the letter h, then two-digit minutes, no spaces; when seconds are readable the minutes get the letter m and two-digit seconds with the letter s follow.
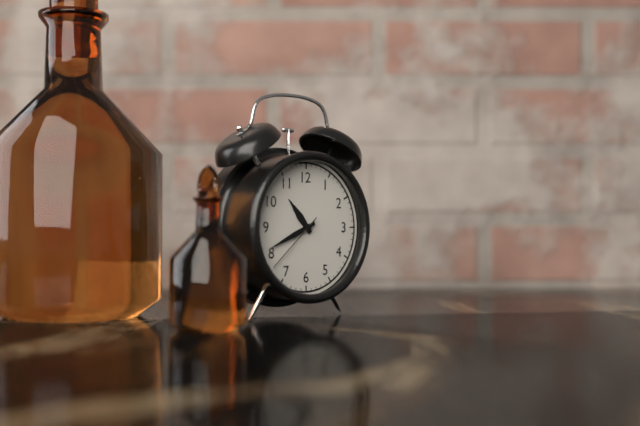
10h41m38s
